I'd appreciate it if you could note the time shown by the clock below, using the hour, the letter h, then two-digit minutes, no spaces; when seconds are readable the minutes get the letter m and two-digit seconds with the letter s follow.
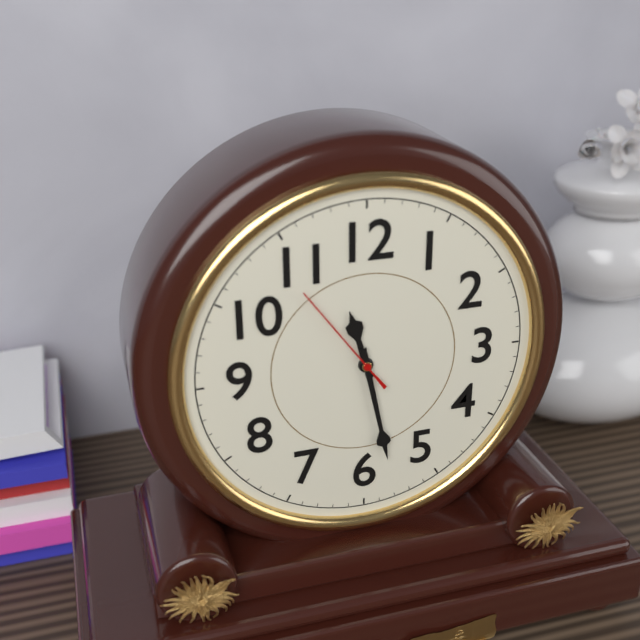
11h28m54s
